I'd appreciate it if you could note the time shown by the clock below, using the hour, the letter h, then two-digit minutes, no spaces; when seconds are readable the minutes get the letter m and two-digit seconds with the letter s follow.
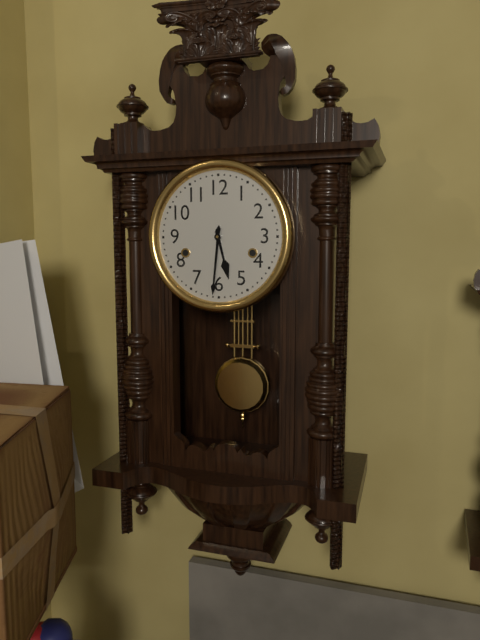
5h31
